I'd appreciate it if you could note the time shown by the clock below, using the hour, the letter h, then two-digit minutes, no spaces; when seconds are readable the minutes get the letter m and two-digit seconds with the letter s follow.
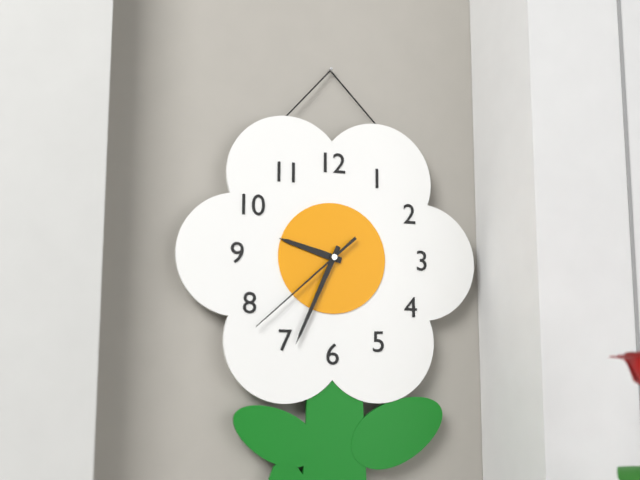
9h34m38s
